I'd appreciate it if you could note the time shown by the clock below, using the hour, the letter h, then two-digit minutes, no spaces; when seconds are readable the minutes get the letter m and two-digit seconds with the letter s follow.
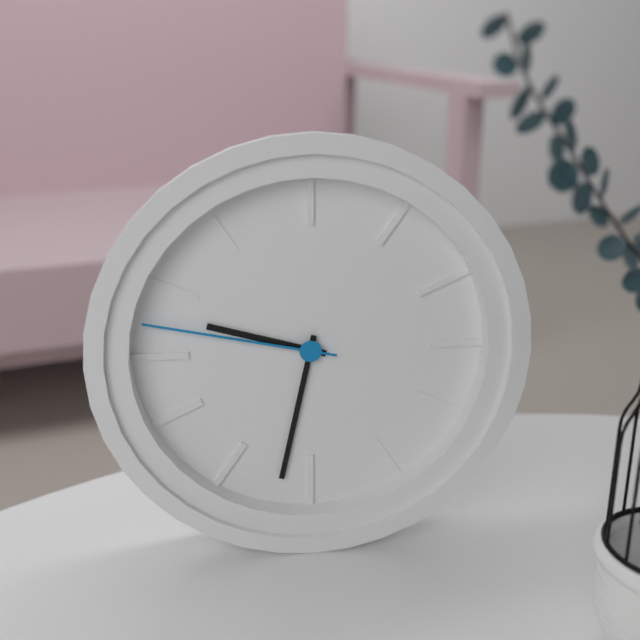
9h32m47s
